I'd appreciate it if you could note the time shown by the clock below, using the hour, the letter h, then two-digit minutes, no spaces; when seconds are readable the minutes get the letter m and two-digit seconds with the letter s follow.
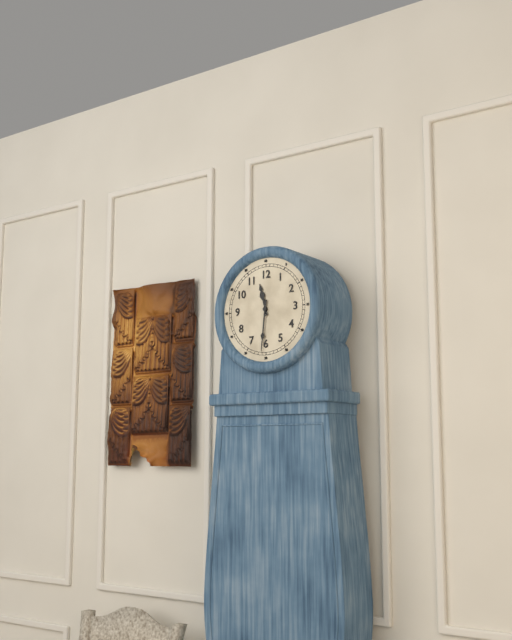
11h31
